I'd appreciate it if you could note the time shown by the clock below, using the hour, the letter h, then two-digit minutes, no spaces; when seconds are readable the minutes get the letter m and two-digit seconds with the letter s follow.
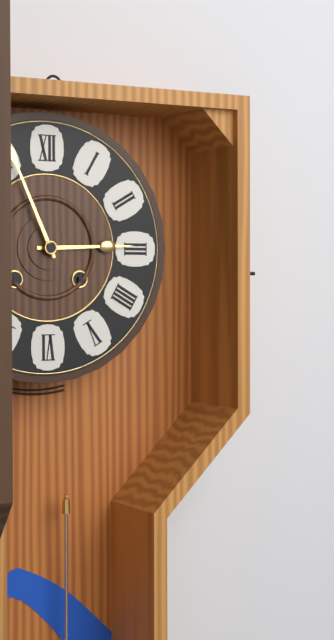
2h56
